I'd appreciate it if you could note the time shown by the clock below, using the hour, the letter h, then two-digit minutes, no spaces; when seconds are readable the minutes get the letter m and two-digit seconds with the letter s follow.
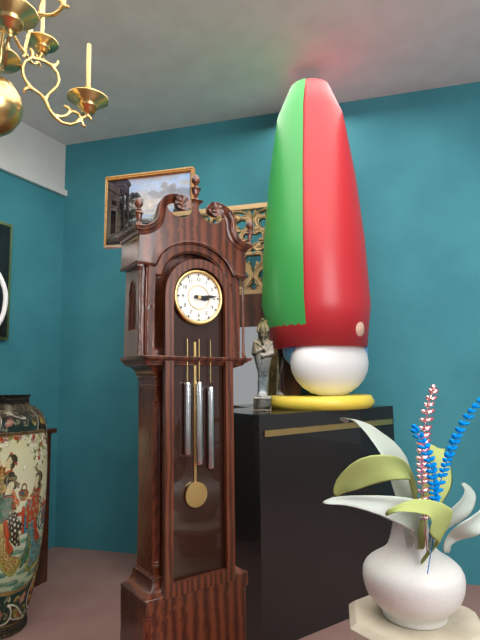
3h14
